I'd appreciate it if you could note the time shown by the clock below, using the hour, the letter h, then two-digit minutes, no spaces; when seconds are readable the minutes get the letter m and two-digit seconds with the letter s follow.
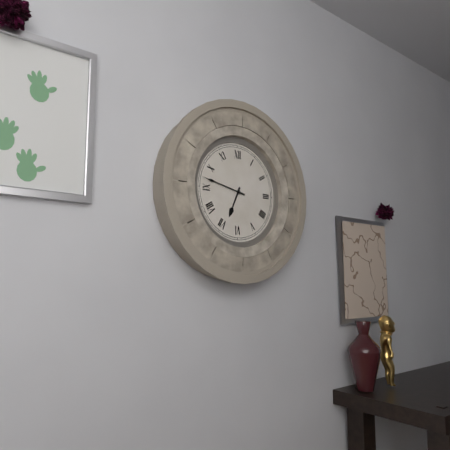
6h47
